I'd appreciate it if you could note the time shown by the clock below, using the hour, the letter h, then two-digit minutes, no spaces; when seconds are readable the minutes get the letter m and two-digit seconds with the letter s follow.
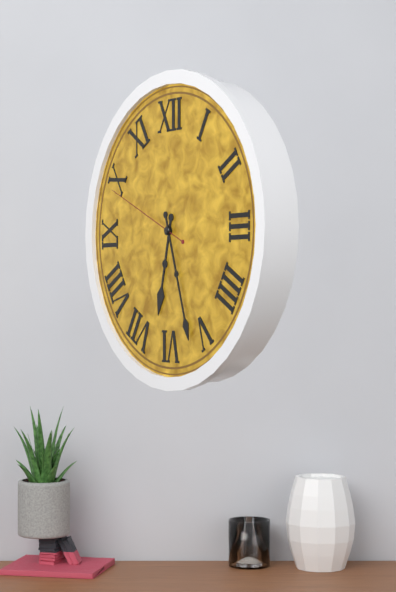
6h27m49s
